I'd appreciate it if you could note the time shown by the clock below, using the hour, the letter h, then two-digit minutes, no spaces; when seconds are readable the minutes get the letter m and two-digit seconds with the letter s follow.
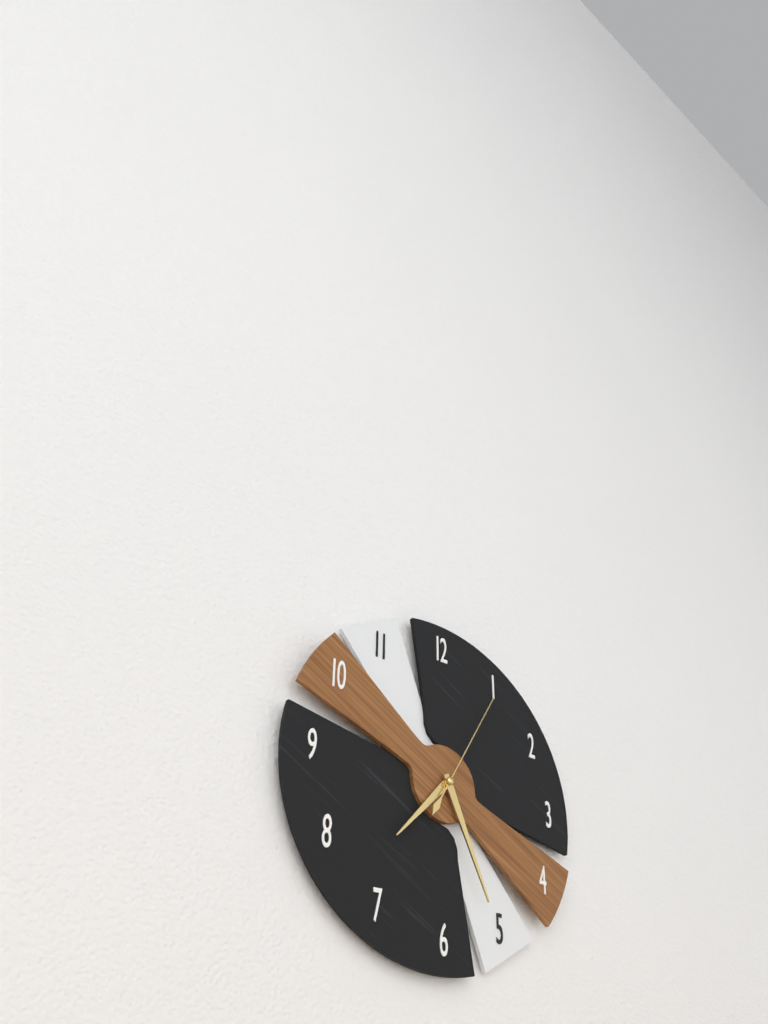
7h26m05s
